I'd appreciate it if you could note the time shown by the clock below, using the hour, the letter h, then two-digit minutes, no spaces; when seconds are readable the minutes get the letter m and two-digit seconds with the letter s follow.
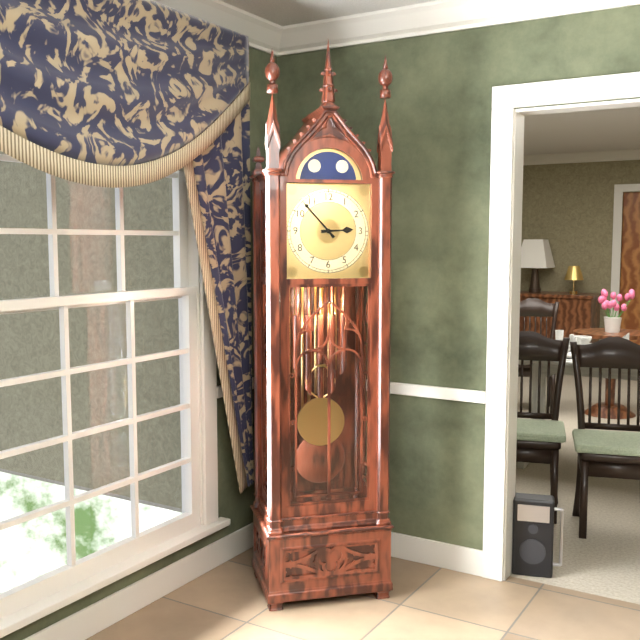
2h53
